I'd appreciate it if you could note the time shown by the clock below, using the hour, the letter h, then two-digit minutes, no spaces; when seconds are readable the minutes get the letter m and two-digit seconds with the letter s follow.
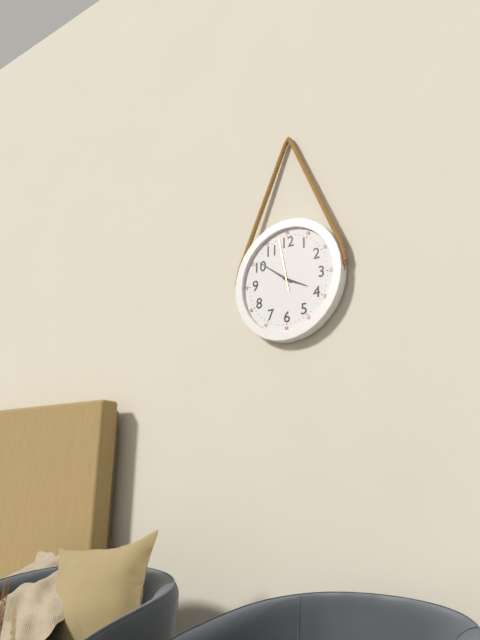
3h51m58s
